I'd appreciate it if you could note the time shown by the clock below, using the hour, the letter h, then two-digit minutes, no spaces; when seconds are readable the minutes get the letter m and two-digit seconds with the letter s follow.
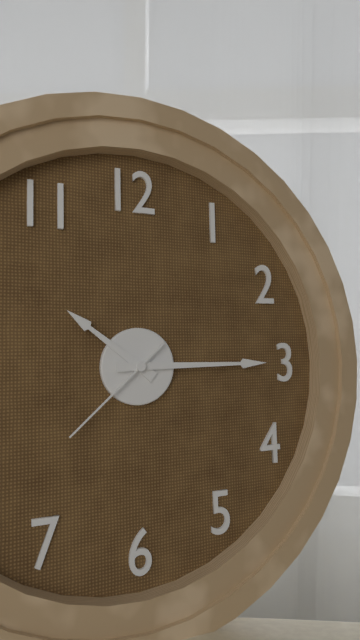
10h15m38s
